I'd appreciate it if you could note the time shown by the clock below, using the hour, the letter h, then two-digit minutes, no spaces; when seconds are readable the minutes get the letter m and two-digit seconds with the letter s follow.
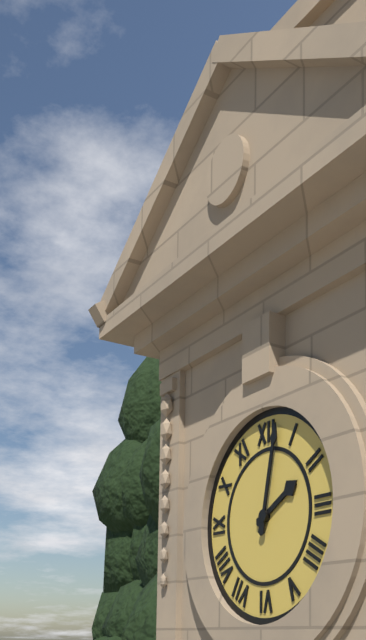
2h02
